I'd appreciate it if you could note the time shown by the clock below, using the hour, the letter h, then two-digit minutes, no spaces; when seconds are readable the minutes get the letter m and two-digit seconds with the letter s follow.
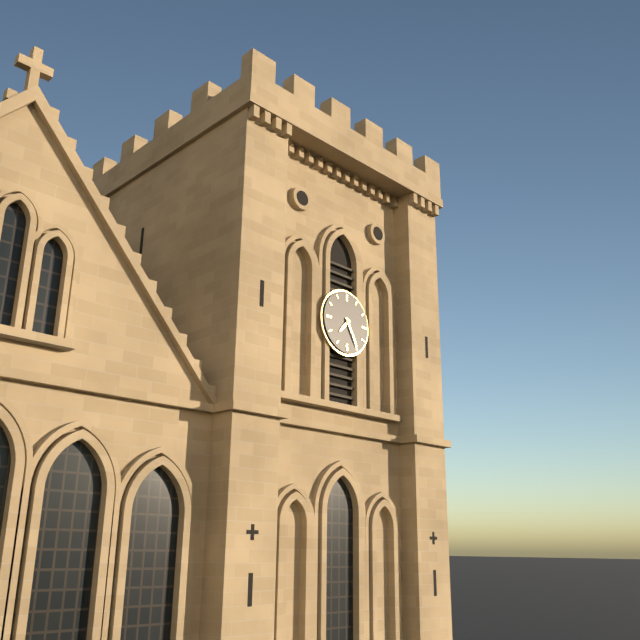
7h25
